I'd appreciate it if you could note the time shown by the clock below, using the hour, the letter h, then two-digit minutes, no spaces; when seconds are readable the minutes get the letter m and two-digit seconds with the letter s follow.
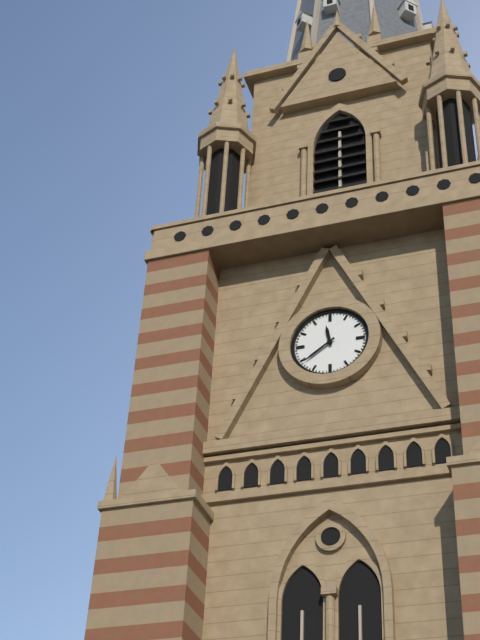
11h39
